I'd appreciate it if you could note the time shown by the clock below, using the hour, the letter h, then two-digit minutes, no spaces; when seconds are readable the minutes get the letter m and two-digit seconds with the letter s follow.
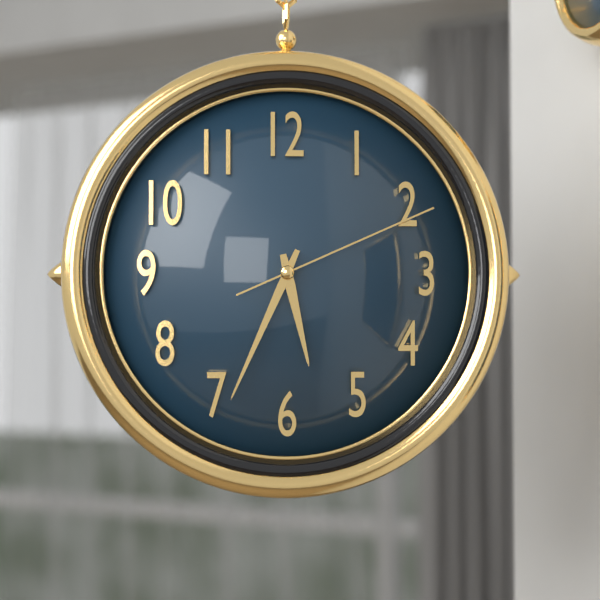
5h34m11s
